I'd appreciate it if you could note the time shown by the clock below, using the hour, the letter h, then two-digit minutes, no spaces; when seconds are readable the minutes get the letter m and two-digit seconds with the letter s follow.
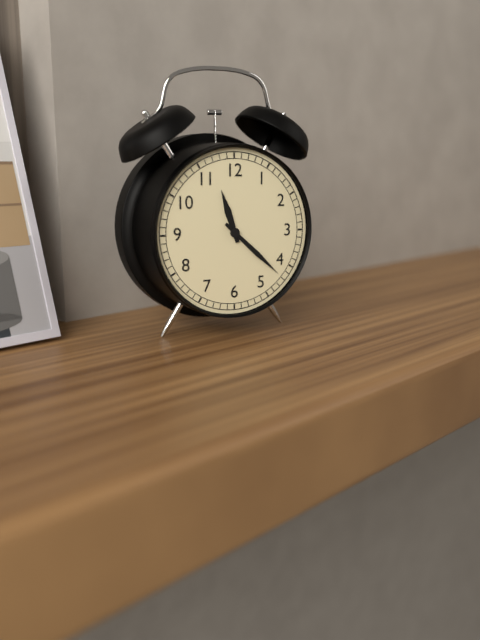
11h22
